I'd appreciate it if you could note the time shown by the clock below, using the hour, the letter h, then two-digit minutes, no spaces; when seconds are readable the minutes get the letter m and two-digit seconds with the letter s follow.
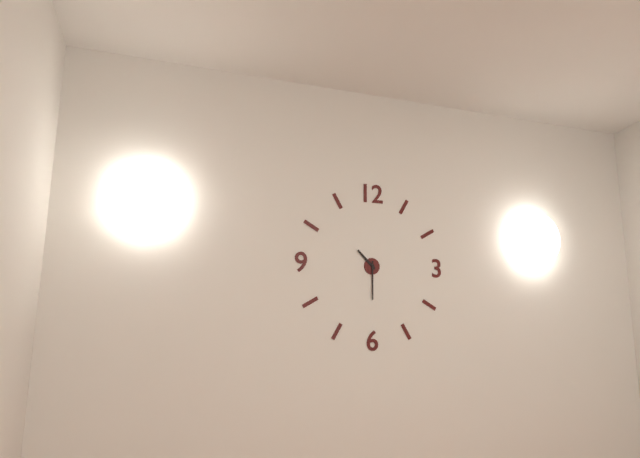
10h30
